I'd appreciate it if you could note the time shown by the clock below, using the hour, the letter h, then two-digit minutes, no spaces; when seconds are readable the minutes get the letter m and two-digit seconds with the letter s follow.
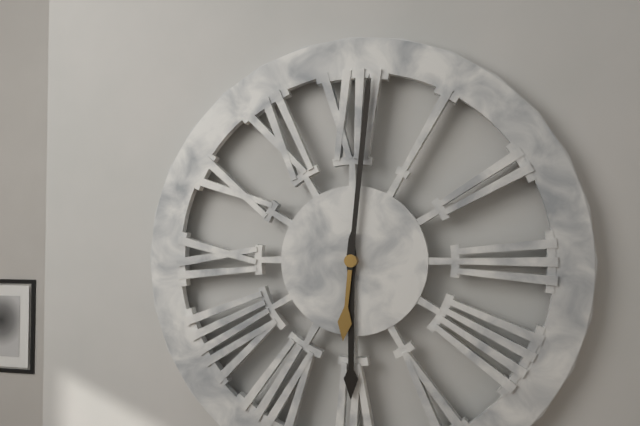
6h01
